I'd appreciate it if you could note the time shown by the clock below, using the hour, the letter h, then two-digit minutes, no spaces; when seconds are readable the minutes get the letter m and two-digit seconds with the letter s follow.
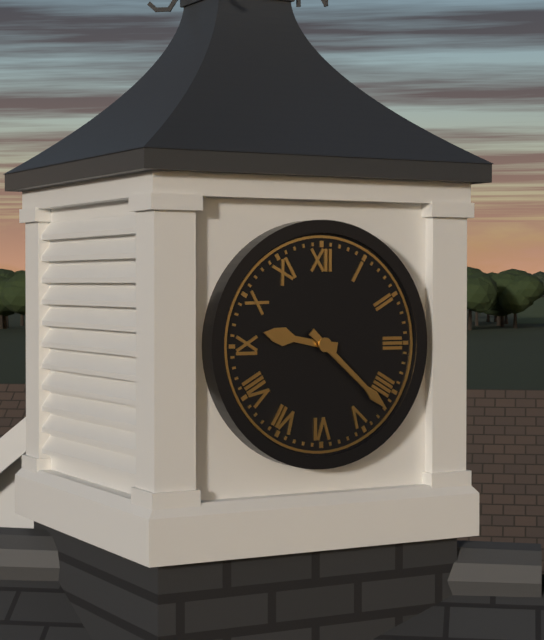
9h22
